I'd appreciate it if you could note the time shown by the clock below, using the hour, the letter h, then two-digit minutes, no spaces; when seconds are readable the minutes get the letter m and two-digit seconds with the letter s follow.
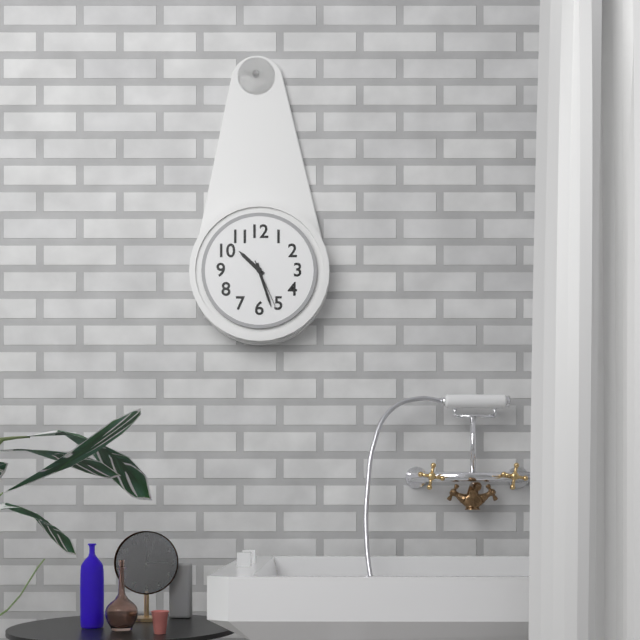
10h27
